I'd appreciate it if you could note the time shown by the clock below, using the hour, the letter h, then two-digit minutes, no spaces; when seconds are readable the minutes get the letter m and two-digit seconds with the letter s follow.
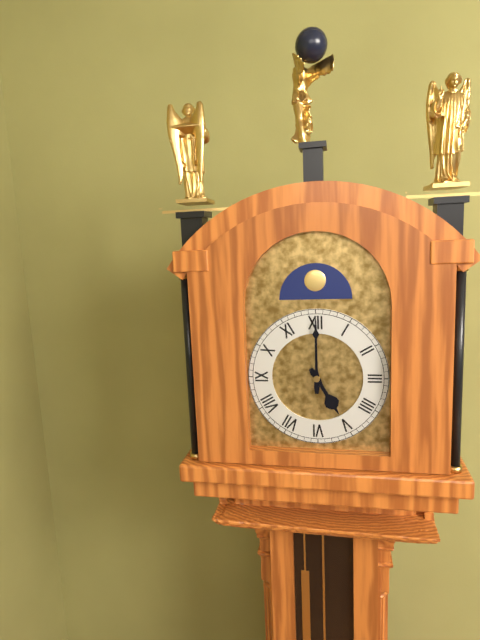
5h00
